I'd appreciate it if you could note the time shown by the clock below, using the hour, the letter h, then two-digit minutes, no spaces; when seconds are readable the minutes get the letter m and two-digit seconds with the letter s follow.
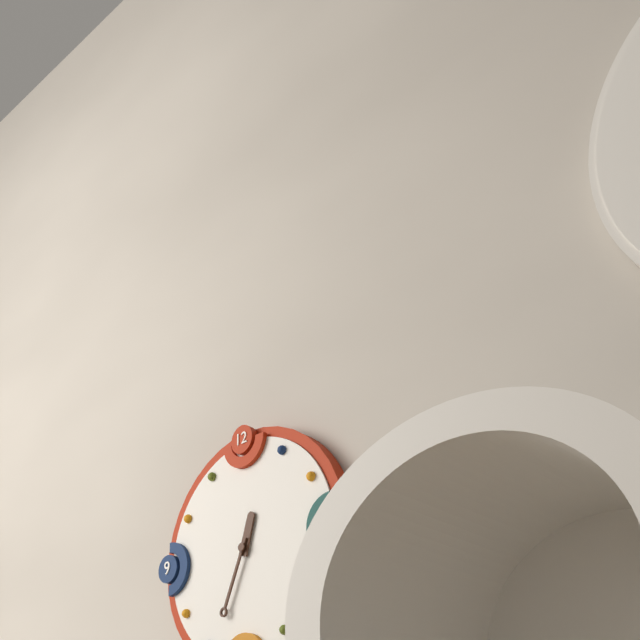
12h34
